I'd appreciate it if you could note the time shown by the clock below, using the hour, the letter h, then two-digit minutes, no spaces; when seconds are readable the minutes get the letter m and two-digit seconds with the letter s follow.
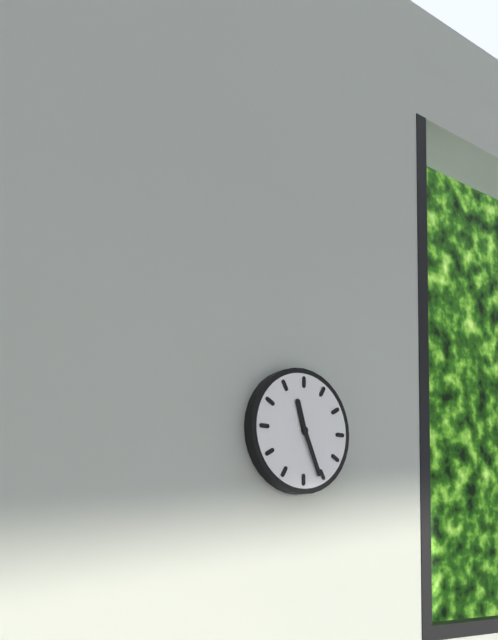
11h26
